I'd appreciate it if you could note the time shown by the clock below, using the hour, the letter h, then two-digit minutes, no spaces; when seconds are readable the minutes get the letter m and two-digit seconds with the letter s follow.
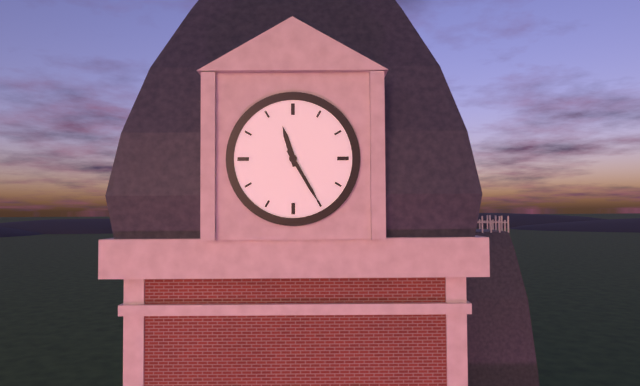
11h25
